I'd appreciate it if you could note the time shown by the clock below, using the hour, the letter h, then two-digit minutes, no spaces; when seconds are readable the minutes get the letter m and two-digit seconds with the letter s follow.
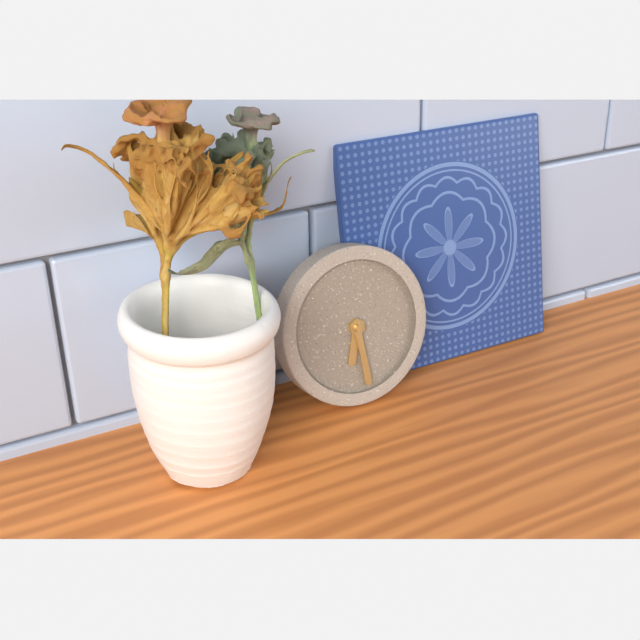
6h29
